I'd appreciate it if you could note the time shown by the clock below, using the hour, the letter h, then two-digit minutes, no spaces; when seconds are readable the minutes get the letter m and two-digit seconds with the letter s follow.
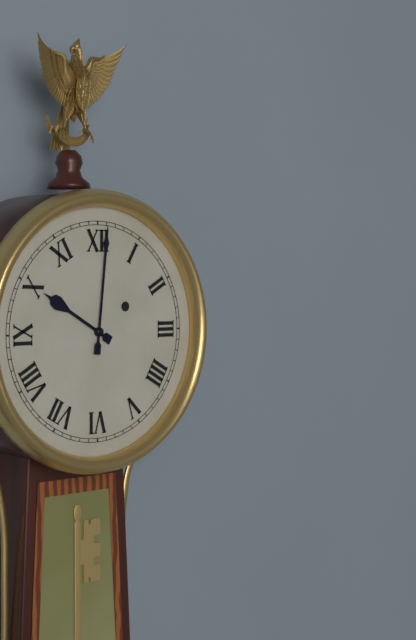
10h01
